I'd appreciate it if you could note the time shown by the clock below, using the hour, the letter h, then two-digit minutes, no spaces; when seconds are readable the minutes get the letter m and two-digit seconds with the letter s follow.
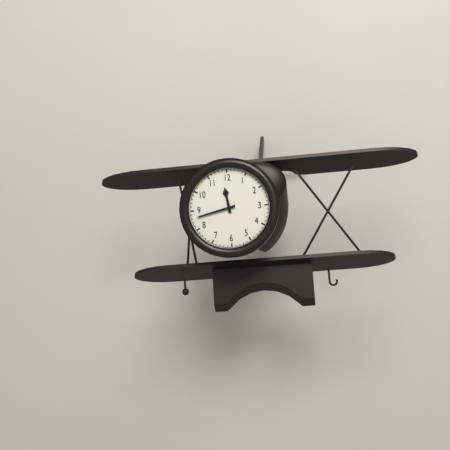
11h43
